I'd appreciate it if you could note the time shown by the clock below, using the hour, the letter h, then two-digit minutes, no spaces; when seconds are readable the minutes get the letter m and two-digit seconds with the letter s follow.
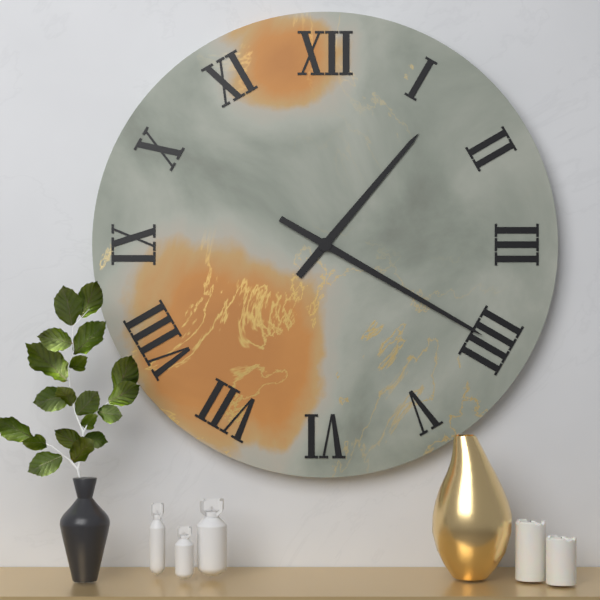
1h20
